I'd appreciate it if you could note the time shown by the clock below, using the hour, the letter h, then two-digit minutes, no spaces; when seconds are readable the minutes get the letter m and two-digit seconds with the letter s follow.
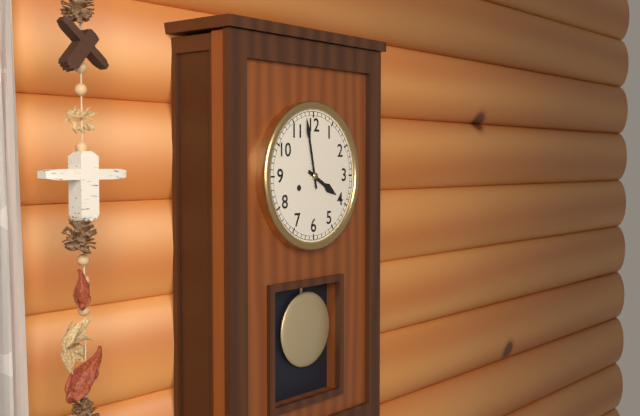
3h58
